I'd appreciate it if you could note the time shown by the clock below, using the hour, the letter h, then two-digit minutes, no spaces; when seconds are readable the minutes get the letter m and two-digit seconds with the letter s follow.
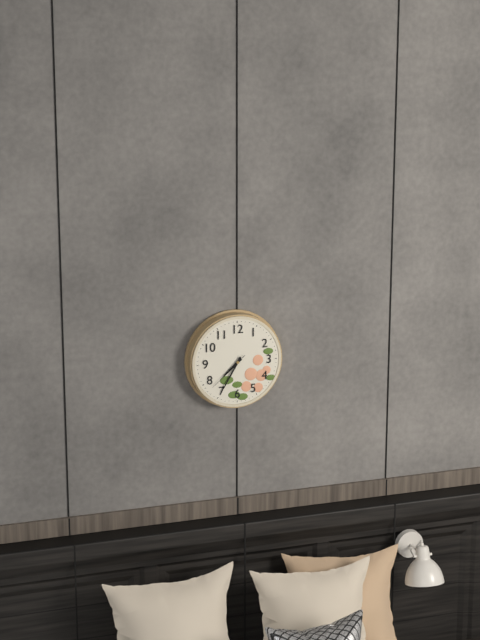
7h35
